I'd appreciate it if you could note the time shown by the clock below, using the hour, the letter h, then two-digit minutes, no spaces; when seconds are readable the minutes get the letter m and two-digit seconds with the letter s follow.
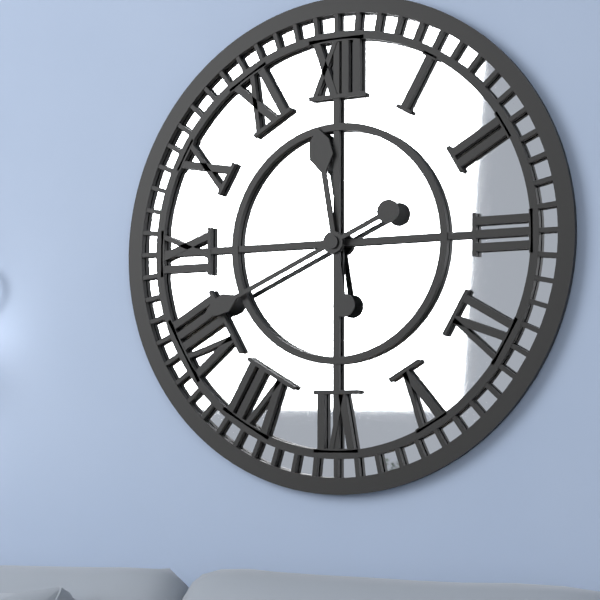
11h41
